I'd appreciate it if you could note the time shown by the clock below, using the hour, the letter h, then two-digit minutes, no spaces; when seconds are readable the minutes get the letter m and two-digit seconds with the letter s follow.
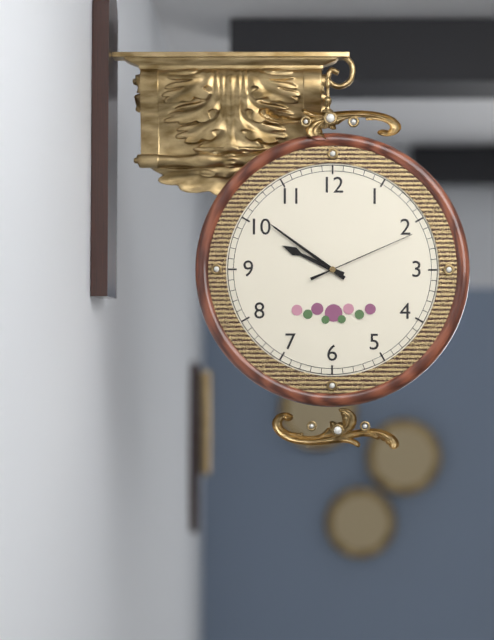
9h51m11s
